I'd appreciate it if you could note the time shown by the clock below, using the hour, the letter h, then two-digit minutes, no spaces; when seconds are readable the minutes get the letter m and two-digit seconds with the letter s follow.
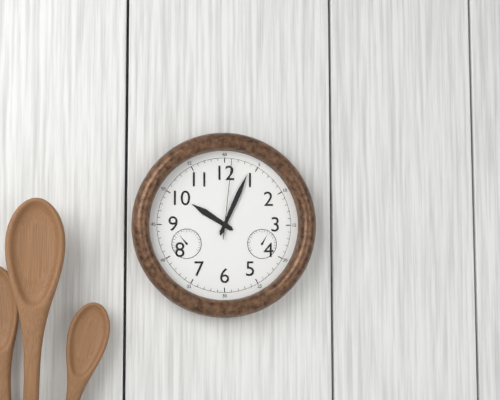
10h04m01s
